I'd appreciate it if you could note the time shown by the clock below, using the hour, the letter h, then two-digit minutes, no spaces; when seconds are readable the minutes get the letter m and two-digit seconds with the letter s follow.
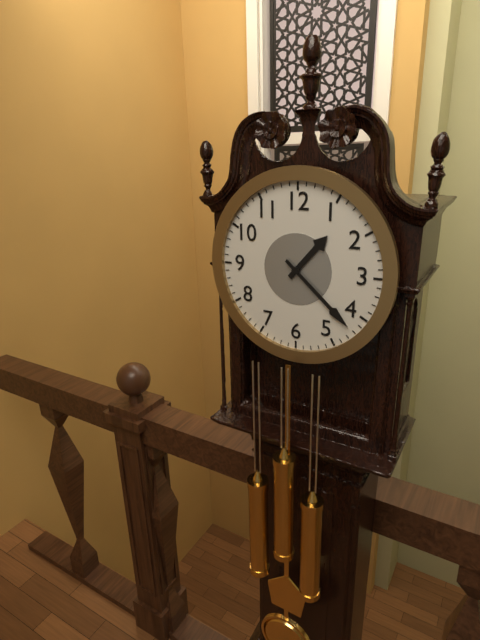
1h22
